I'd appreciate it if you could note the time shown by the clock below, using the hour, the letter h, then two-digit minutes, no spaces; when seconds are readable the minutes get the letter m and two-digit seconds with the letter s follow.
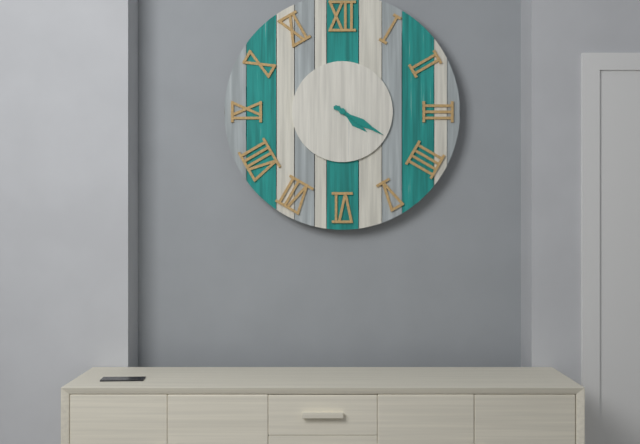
4h20
